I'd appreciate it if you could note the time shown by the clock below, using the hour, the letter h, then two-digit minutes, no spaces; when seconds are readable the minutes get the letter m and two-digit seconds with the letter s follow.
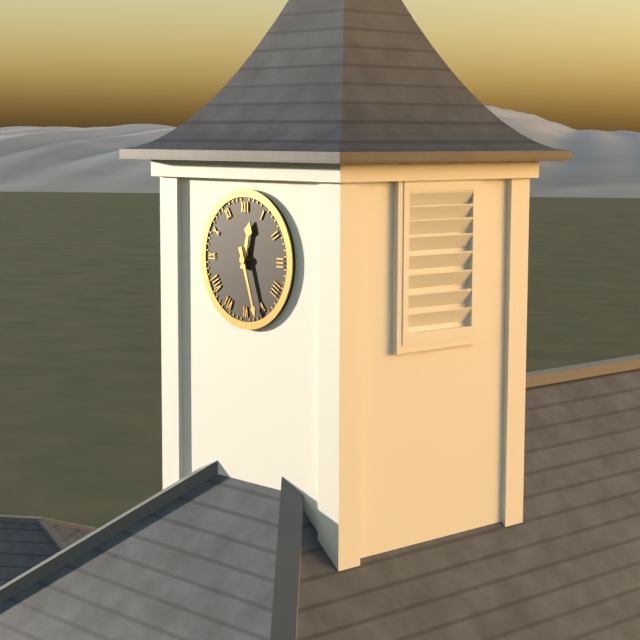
12h27
